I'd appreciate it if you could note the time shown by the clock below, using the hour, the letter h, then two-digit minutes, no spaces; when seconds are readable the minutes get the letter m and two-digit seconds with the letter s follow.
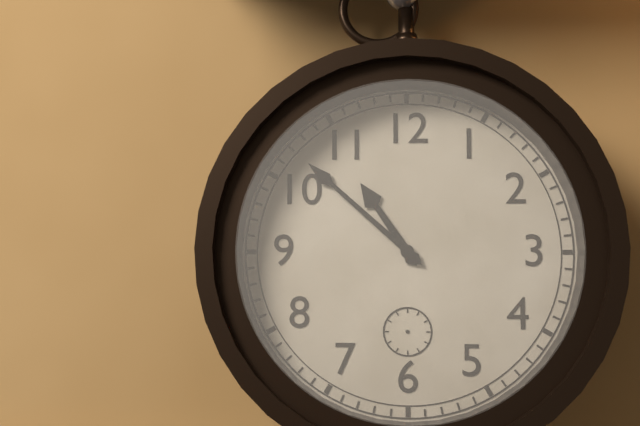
10h52
